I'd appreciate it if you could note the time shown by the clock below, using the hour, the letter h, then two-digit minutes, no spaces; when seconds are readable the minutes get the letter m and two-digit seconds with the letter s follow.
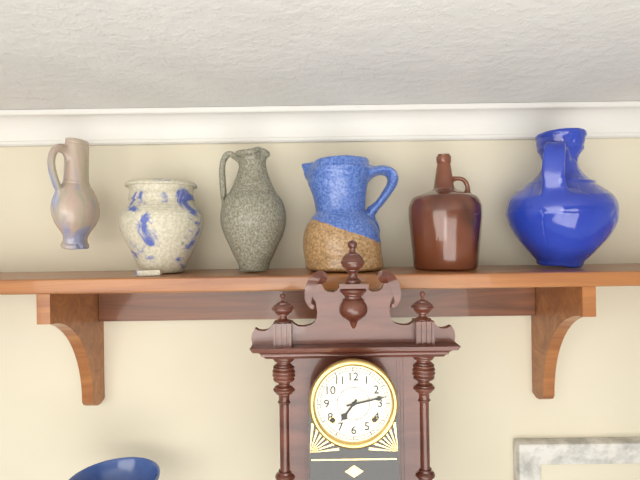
7h13
